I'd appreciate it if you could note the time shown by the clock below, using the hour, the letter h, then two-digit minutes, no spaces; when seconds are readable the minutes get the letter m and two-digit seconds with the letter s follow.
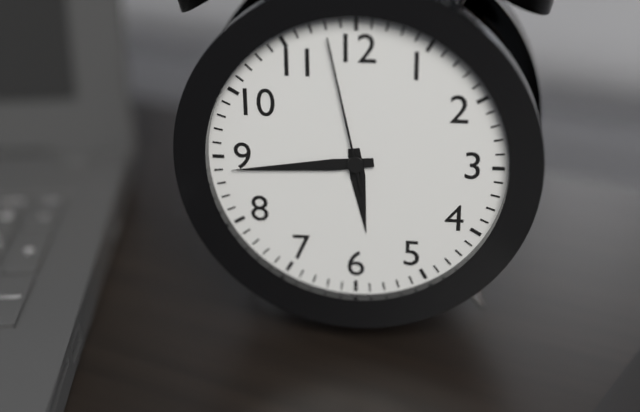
5h44m58s
